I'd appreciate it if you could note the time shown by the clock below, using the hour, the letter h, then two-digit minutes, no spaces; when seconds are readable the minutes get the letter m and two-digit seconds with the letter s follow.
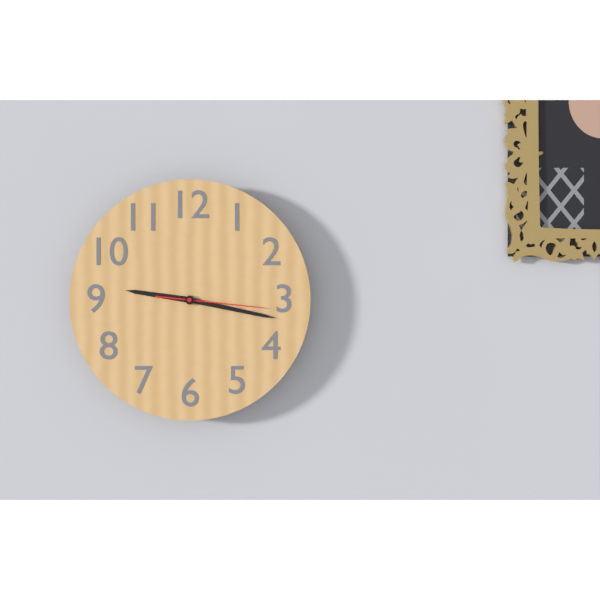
9h17m16s
